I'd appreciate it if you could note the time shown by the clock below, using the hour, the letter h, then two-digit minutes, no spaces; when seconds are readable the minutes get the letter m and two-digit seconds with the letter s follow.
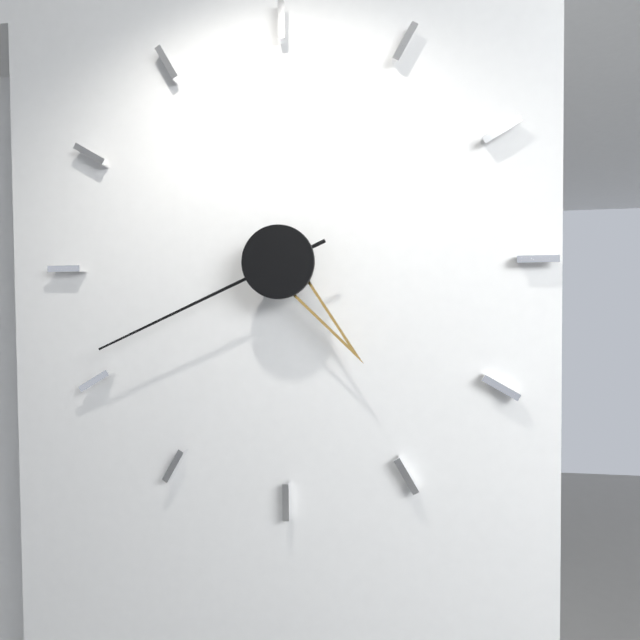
4h41
